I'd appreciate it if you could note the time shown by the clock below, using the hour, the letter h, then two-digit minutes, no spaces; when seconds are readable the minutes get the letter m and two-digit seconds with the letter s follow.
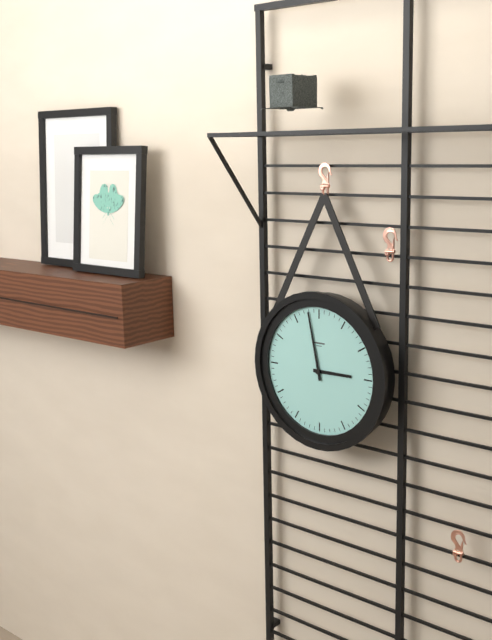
2h58
